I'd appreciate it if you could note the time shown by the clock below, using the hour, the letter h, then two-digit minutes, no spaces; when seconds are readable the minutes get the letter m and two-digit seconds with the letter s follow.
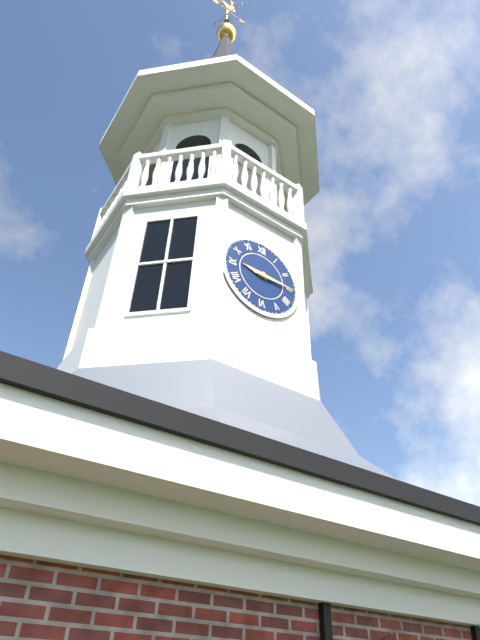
9h15
